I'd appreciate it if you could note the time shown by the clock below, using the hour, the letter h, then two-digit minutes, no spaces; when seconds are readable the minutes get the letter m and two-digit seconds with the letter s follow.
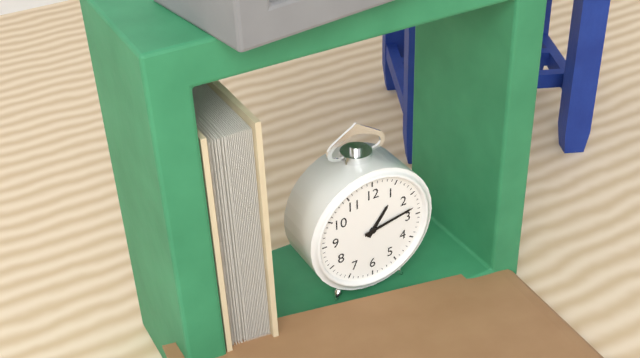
1h13
